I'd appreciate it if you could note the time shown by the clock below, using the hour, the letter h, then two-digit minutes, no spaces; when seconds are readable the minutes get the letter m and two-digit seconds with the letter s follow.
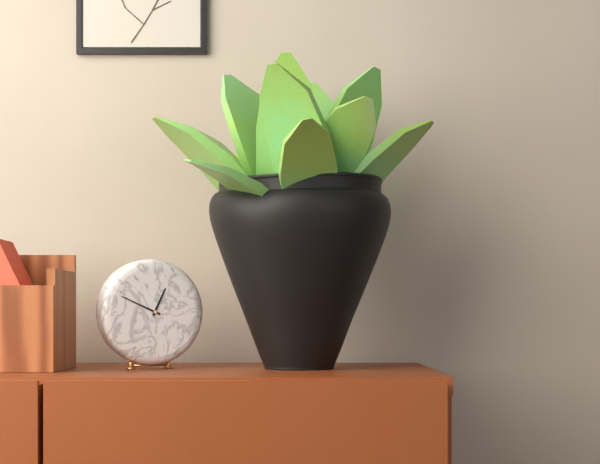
12h49
